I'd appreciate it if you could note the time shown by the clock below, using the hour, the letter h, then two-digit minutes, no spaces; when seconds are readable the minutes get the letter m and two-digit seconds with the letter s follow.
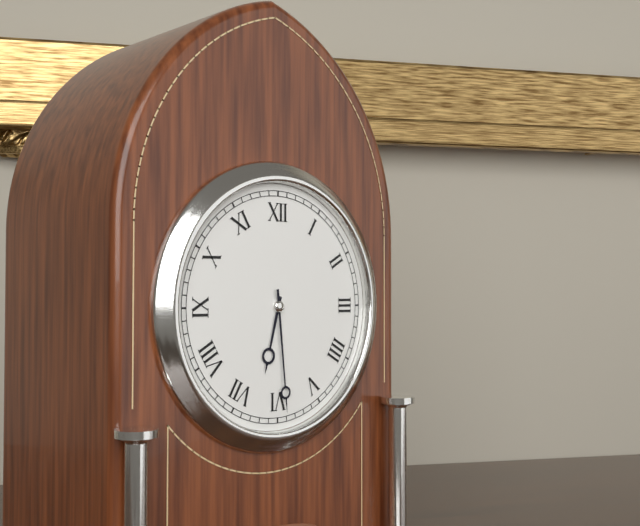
6h29
